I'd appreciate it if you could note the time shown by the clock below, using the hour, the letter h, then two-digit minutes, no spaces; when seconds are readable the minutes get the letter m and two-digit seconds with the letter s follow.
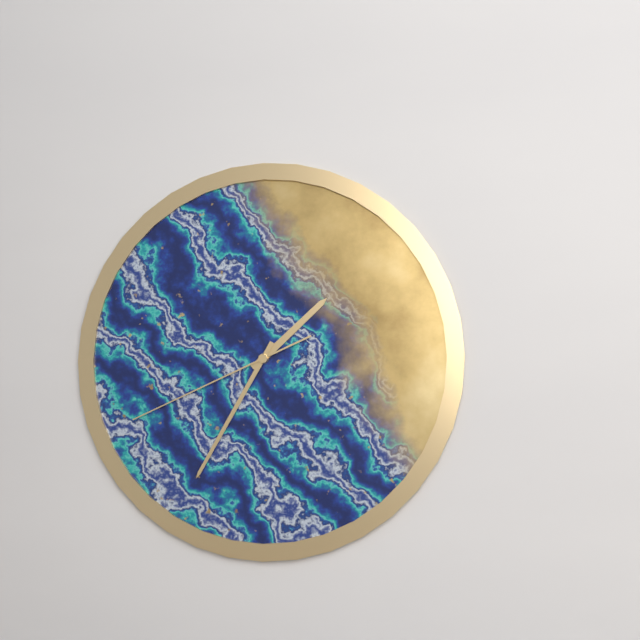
1h35m41s
